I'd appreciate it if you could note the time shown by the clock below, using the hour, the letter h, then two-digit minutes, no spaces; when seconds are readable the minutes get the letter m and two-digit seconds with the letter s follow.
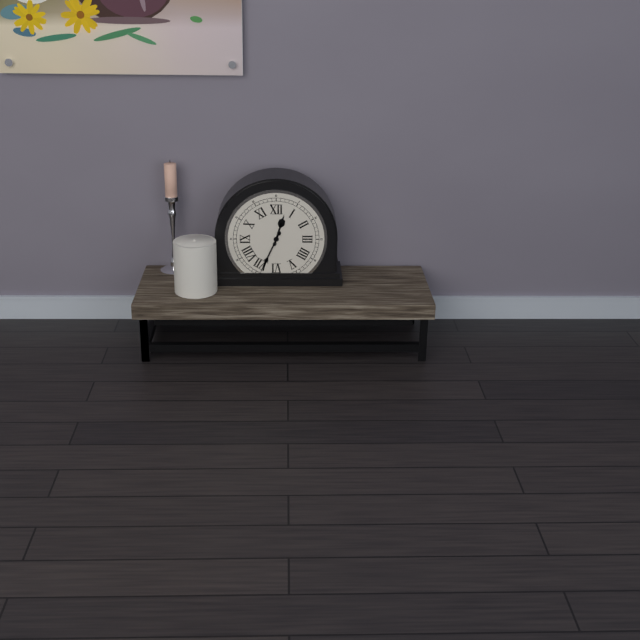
12h34
